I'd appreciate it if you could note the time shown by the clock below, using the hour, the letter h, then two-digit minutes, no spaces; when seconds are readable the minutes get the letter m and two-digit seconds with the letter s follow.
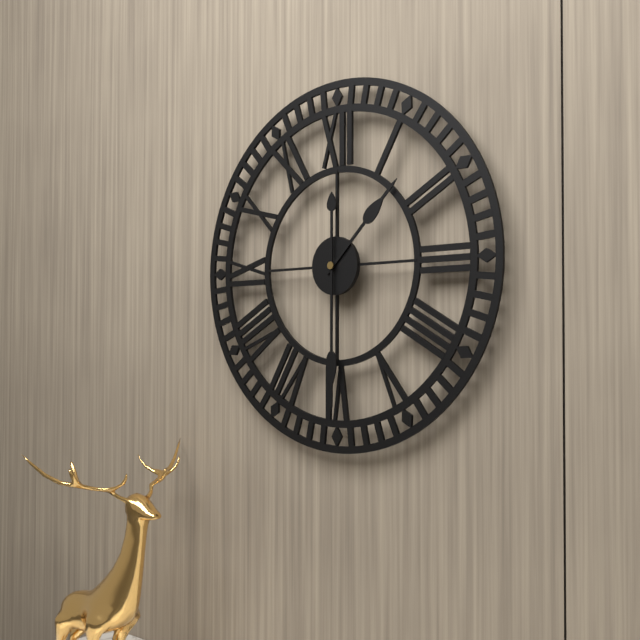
1h30
